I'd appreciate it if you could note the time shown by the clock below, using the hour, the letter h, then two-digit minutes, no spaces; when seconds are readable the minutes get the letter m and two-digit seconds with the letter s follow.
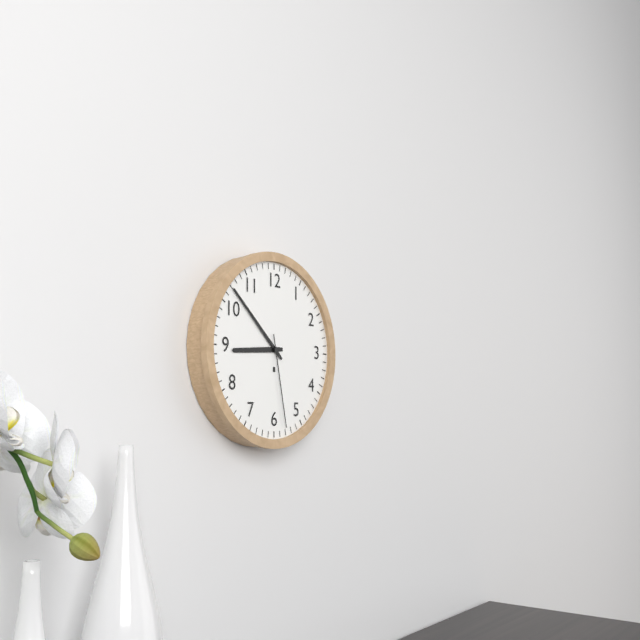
8h52m28s
